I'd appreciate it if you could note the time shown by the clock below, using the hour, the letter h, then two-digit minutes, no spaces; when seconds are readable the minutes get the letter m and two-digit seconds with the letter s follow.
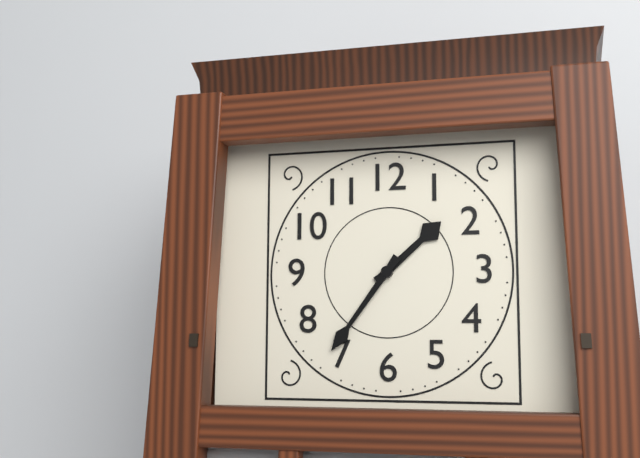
1h36
